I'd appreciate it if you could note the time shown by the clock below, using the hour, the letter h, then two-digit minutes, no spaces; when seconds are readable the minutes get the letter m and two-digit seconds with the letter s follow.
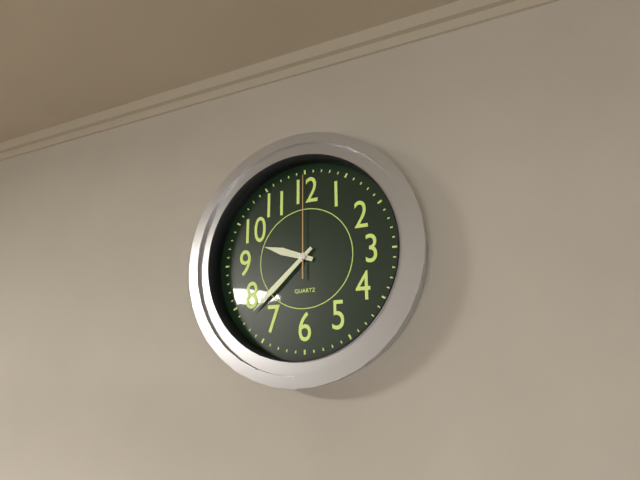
9h38m00s
